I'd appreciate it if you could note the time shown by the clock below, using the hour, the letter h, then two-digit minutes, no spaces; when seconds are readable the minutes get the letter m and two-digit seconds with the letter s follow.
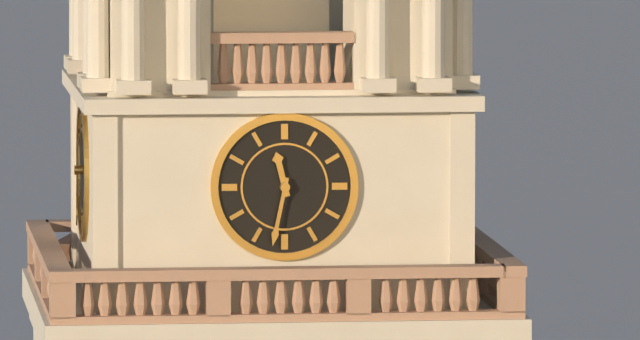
11h32
